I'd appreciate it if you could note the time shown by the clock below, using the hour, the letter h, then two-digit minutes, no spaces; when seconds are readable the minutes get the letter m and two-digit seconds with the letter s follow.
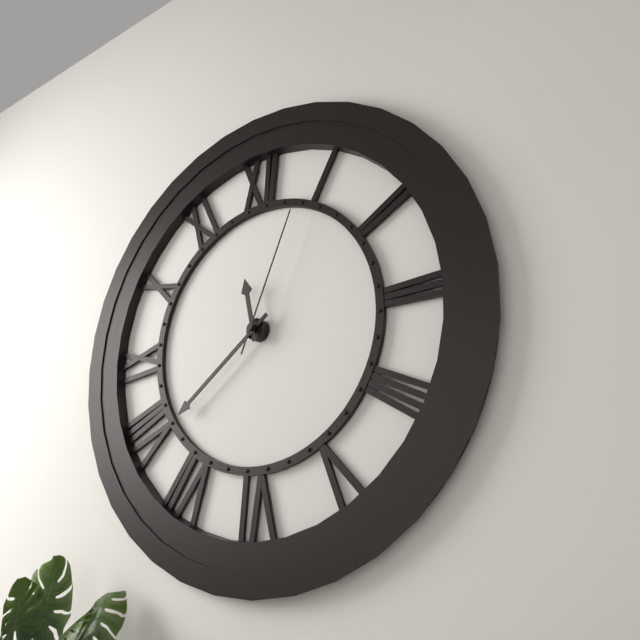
11h39m04s
